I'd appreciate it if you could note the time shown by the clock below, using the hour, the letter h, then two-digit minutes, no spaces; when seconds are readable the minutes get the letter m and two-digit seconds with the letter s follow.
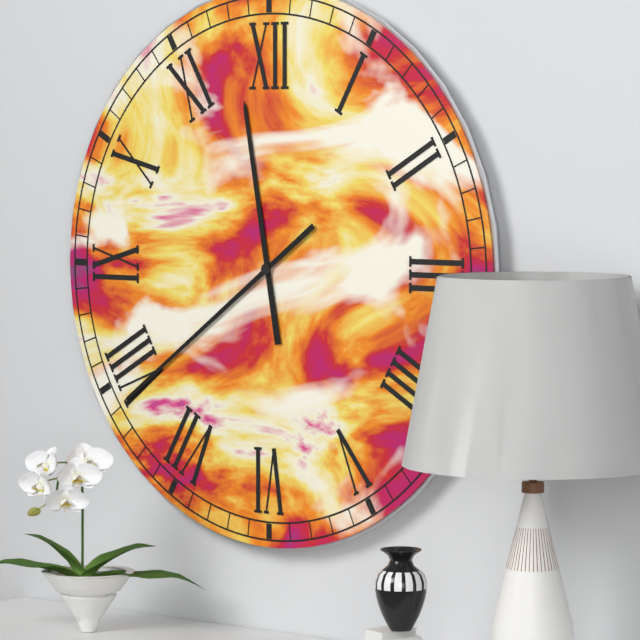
11h39
